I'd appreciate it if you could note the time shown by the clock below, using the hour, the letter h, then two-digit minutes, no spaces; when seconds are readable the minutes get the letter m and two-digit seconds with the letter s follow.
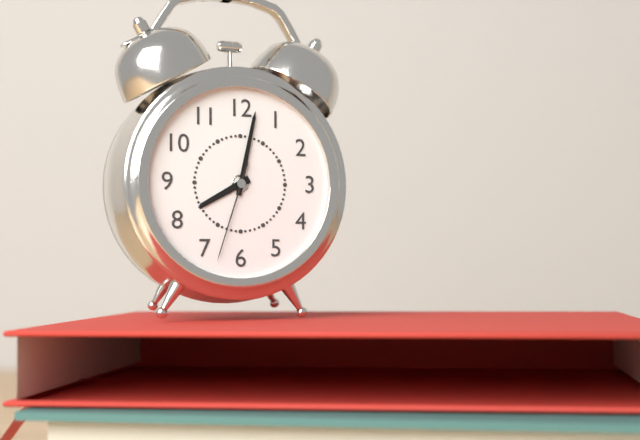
8h02m33s
